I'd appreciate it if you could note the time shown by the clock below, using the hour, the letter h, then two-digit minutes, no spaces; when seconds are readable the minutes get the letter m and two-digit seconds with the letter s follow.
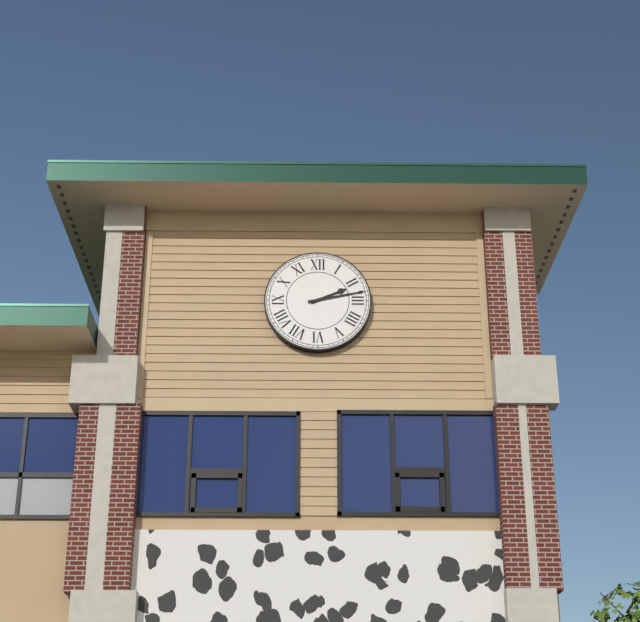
2h13
